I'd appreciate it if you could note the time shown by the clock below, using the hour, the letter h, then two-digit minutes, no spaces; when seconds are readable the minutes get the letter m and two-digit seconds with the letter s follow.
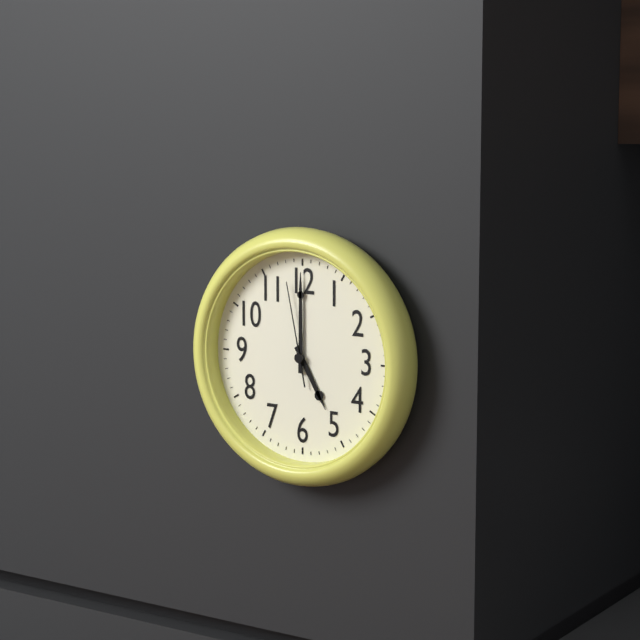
5h00m58s
